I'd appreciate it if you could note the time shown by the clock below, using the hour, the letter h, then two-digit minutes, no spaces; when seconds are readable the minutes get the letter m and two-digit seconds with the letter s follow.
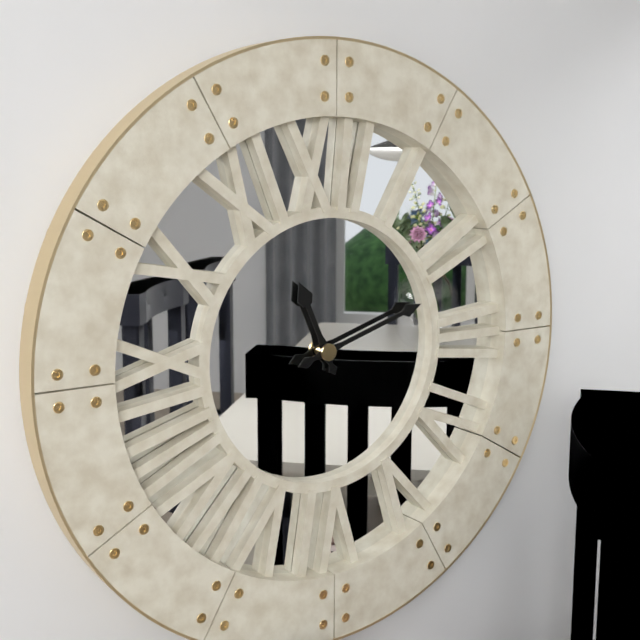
11h12
